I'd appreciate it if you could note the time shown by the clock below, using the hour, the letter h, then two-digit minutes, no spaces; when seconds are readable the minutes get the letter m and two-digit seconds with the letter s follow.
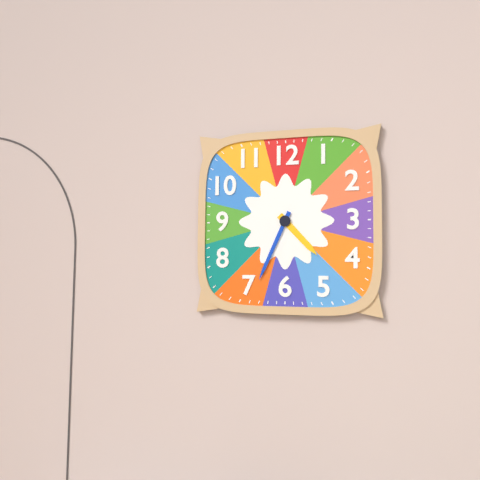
4h34
